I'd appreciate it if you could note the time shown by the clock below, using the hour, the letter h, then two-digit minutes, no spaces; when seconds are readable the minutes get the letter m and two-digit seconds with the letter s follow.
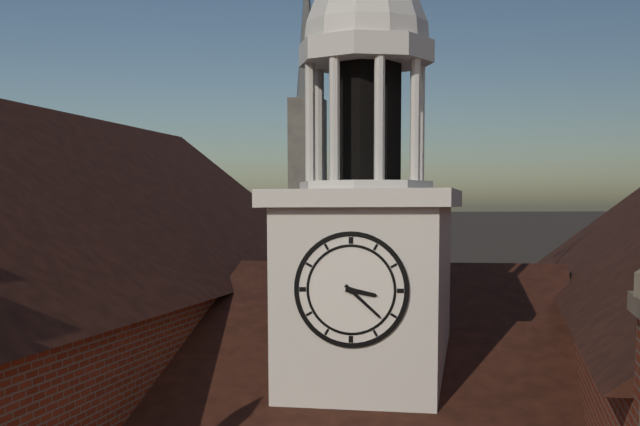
3h22
